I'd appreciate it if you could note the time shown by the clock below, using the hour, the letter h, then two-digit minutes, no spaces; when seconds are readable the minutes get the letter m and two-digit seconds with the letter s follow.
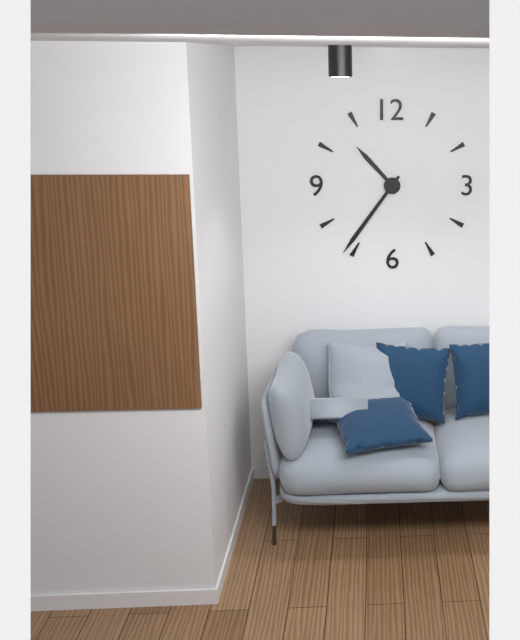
10h36
